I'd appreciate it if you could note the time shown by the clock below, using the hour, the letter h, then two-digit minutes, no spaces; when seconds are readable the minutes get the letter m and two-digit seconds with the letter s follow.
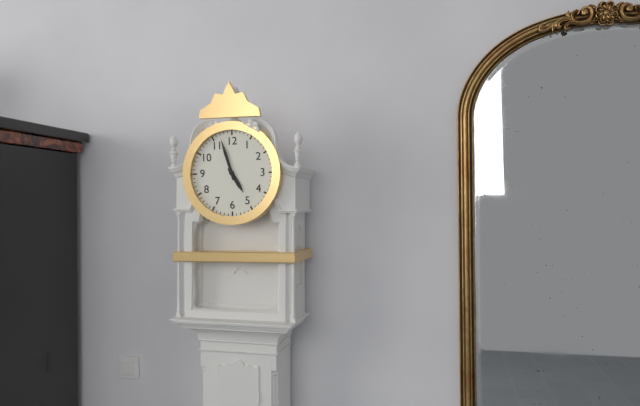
4h57
